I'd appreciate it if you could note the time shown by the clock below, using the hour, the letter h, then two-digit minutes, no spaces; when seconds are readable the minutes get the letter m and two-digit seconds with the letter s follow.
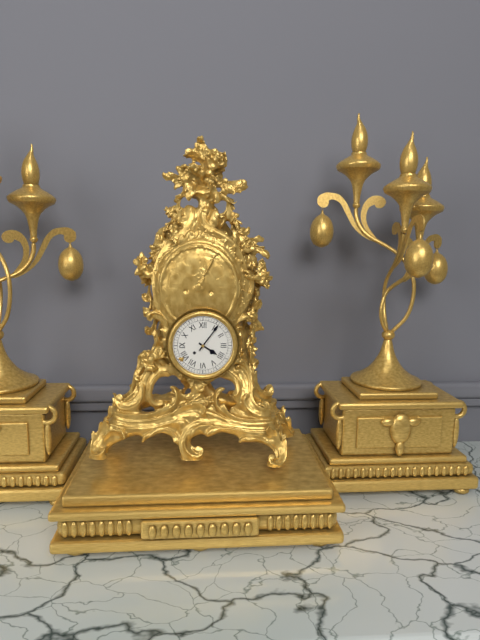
4h06
